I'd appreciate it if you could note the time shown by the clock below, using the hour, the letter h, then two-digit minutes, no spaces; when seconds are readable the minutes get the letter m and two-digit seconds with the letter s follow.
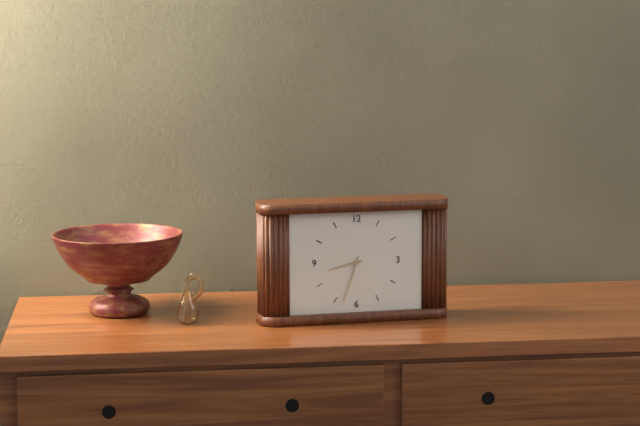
8h33
